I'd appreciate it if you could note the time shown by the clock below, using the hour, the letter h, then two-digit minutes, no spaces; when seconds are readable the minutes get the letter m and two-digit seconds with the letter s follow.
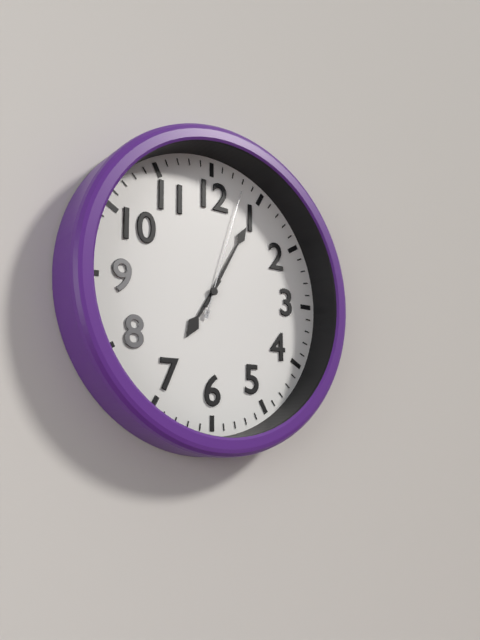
7h05m03s
